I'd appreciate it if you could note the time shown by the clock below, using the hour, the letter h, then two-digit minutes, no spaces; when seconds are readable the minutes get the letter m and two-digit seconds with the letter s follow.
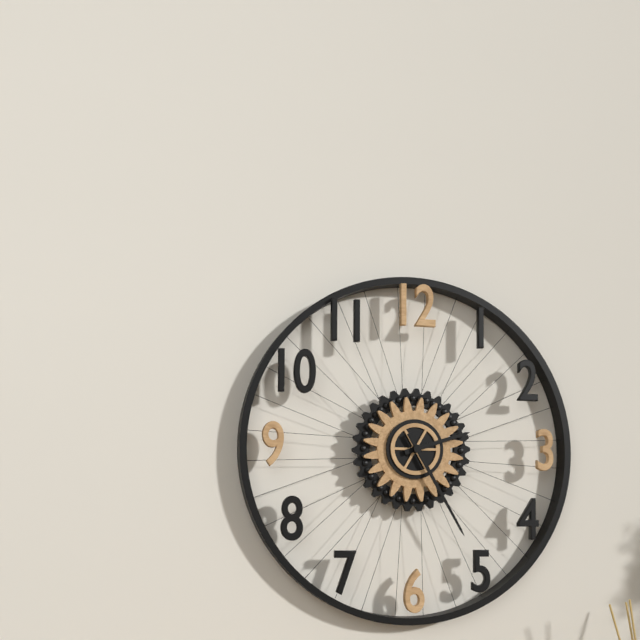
2h25
